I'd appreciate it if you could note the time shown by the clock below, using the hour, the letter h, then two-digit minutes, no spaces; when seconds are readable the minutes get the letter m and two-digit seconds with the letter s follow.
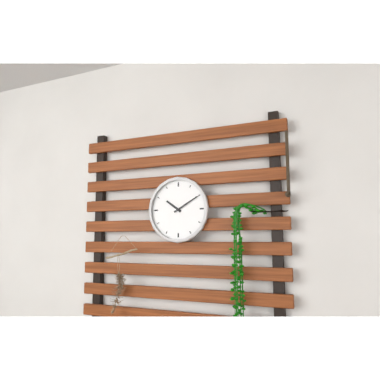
10h10
